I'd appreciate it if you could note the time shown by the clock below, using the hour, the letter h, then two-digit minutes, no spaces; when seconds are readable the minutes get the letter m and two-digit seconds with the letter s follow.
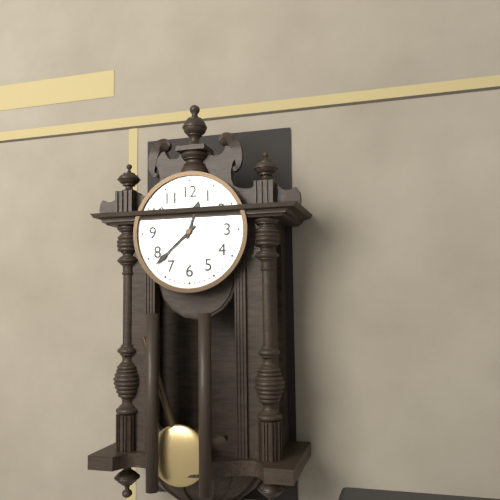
12h38
